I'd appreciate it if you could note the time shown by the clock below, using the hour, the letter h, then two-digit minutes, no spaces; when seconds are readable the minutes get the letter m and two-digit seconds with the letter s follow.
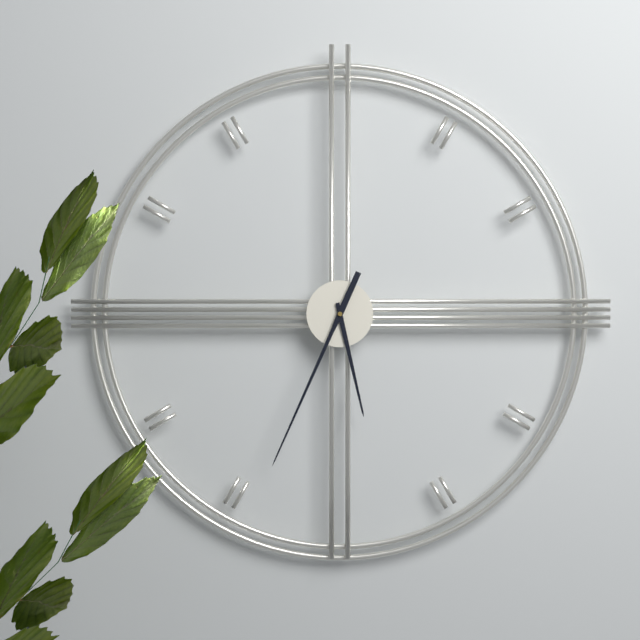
5h34
